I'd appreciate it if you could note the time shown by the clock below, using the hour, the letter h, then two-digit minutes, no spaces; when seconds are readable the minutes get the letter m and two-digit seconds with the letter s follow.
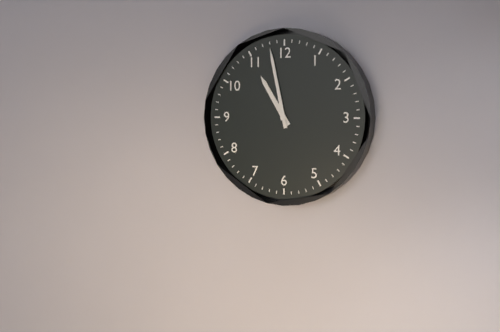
10h58
